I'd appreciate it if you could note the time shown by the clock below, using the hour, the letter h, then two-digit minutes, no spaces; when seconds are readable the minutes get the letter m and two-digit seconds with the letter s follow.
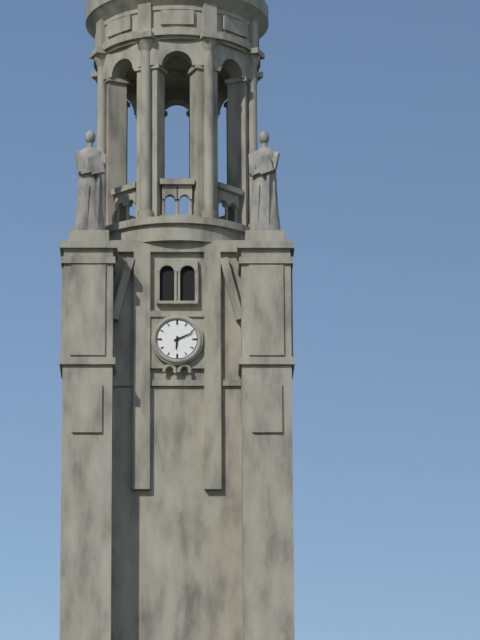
6h11
